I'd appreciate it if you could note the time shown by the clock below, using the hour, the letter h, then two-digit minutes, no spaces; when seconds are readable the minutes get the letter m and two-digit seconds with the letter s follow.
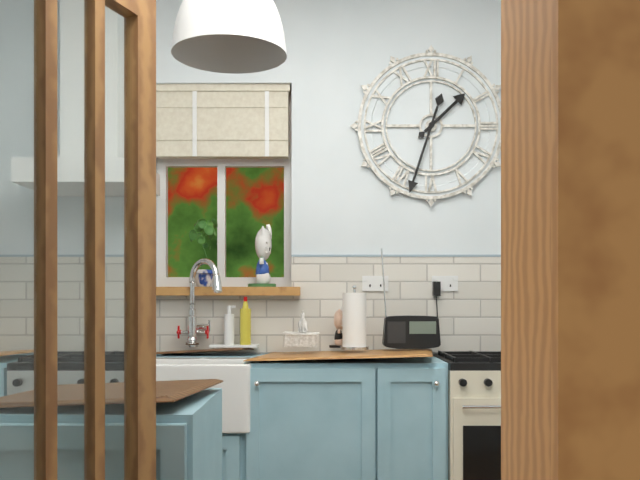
1h33
